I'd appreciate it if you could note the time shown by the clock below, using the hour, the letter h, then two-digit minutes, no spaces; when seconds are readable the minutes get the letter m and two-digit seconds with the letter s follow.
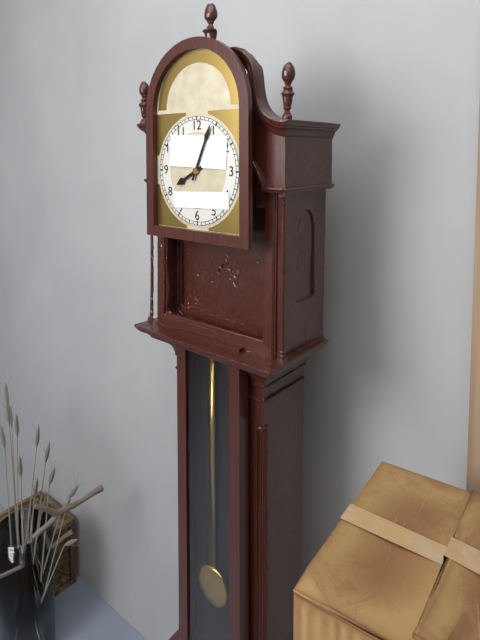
8h04
